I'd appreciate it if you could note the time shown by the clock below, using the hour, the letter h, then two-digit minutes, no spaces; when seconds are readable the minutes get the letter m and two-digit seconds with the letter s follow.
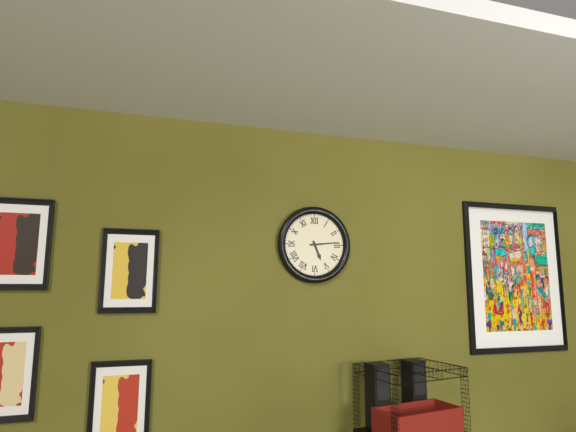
5h14
